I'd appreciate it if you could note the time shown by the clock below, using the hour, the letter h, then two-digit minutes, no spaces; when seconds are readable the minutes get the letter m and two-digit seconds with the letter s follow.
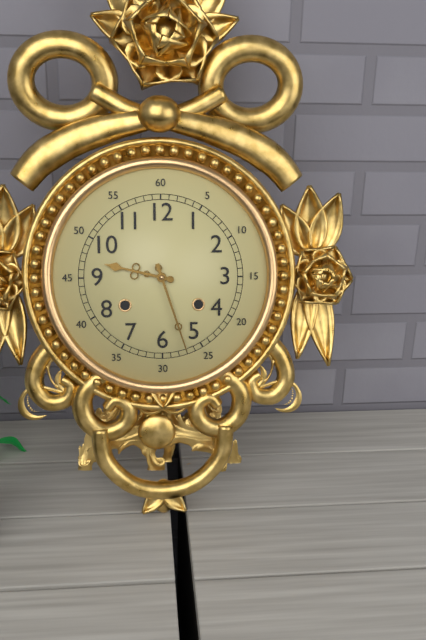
9h27
